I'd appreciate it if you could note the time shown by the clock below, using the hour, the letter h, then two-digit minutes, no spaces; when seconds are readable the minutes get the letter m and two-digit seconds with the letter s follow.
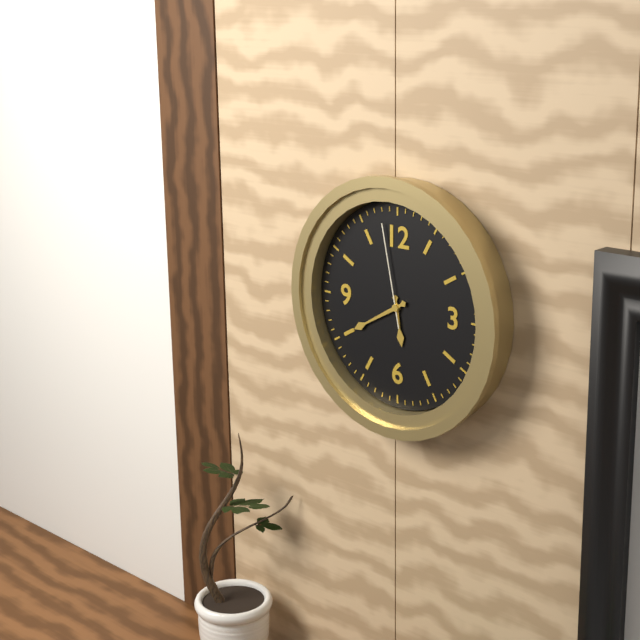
5h40m58s
